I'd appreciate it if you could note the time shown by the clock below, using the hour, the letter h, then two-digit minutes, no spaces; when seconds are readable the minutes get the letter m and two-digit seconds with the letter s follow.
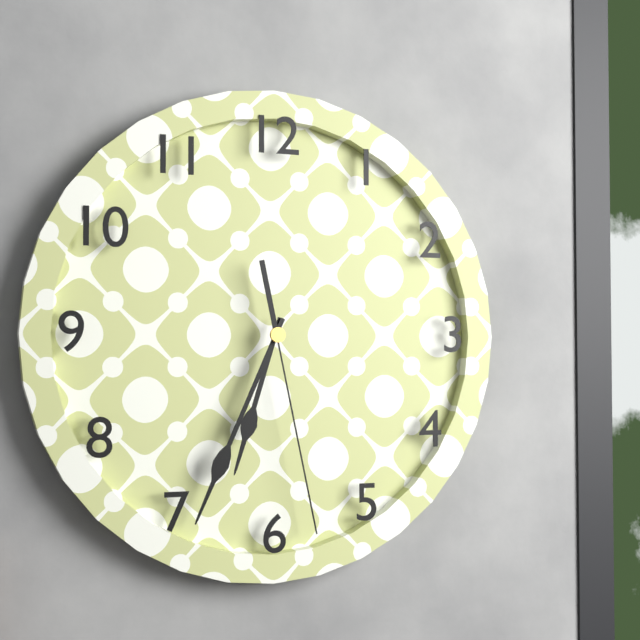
6h34m28s
